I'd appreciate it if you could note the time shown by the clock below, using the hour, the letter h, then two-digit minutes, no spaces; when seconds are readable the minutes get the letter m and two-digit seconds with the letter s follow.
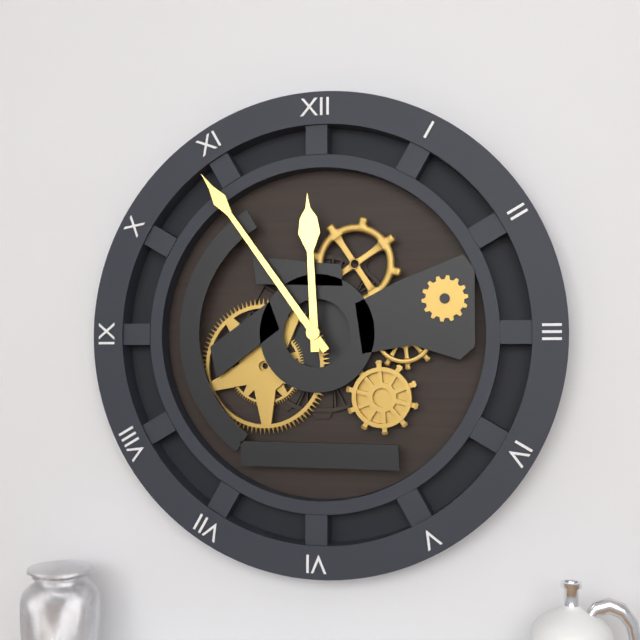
11h54
